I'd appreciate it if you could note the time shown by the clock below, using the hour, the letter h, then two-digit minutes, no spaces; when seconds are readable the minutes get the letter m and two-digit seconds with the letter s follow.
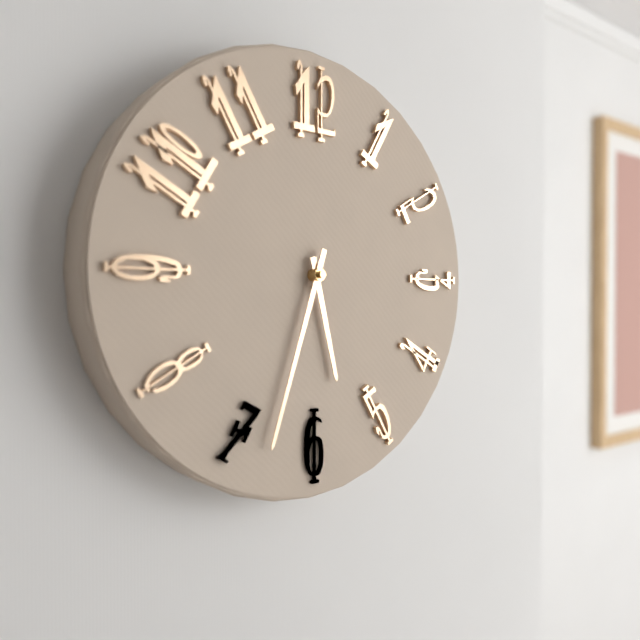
5h33
